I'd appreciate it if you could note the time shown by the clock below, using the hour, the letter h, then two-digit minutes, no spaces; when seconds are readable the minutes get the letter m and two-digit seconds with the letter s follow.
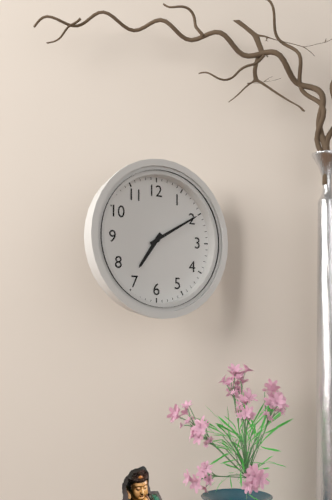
7h10
